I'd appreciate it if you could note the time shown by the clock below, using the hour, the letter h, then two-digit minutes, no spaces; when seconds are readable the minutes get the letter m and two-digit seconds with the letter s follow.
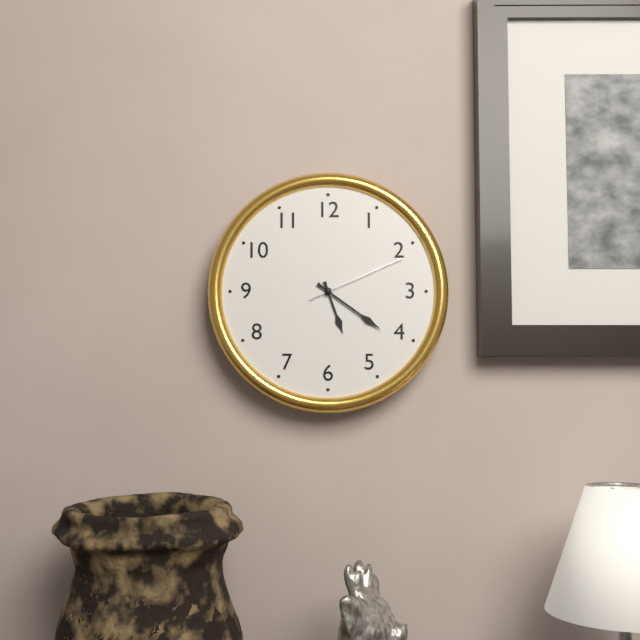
5h21m11s
